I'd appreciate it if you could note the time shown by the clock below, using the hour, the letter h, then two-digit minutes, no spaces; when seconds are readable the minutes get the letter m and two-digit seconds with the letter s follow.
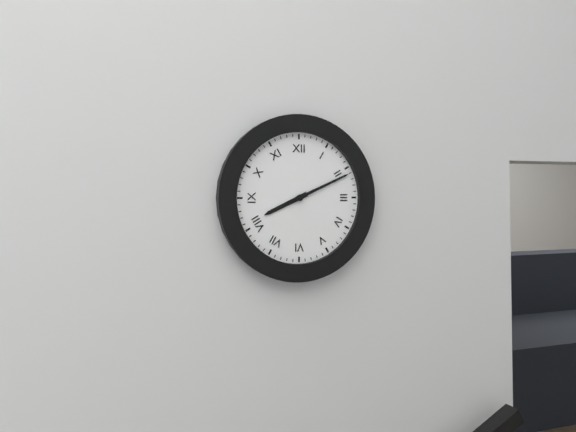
8h11
